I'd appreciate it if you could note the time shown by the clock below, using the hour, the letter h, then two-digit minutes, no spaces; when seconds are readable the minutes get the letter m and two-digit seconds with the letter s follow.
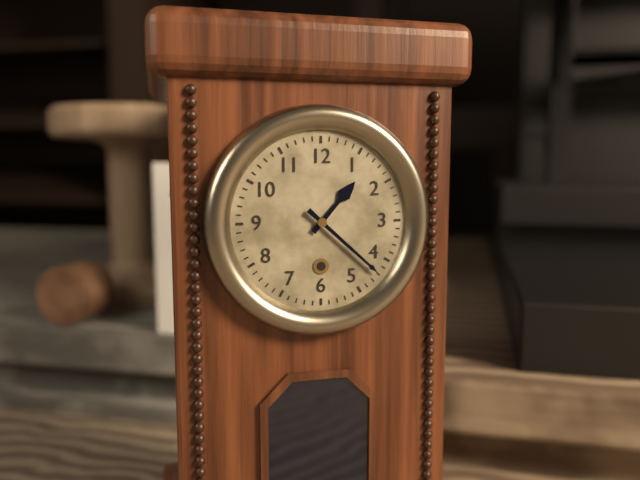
1h22
